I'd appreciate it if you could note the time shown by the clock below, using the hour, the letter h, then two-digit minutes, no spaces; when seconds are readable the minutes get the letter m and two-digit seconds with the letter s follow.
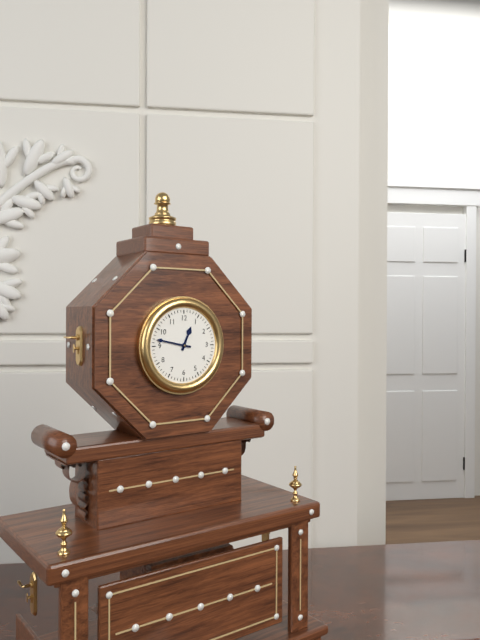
12h47
